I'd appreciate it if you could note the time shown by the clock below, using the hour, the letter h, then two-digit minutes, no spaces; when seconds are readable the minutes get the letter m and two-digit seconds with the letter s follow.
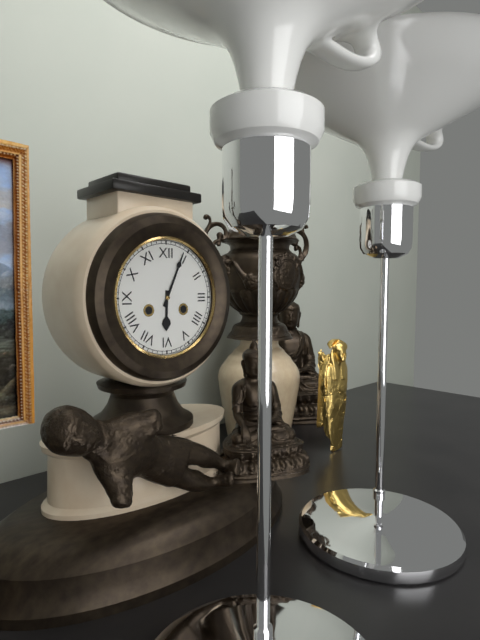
6h04
